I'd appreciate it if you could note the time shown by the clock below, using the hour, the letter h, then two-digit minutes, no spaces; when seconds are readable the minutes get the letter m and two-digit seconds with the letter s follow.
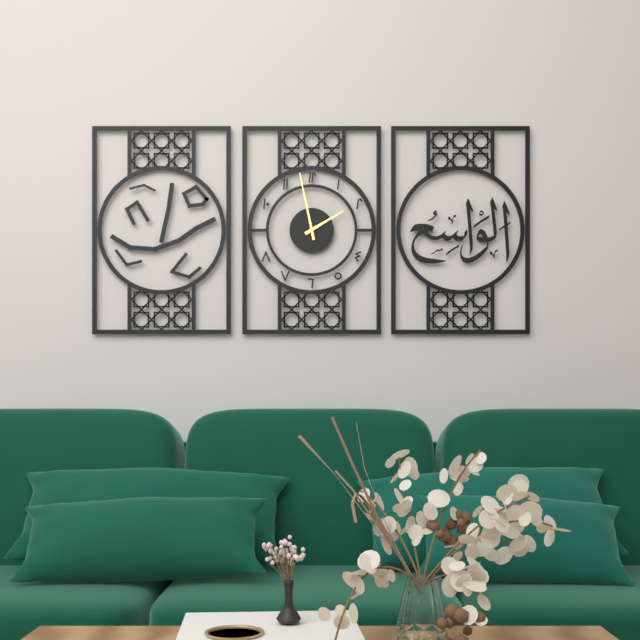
1h58
